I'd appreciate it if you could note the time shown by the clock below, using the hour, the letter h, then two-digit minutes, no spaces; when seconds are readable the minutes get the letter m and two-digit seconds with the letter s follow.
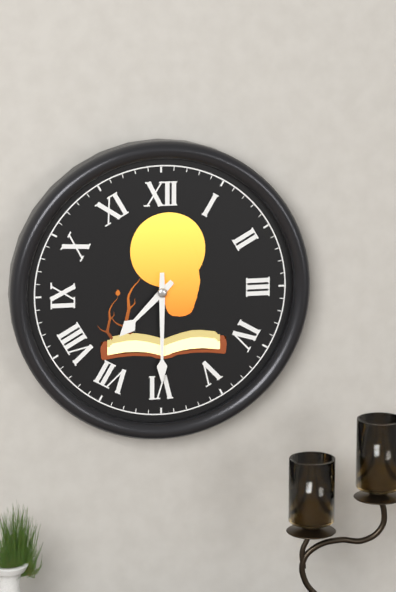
7h30
